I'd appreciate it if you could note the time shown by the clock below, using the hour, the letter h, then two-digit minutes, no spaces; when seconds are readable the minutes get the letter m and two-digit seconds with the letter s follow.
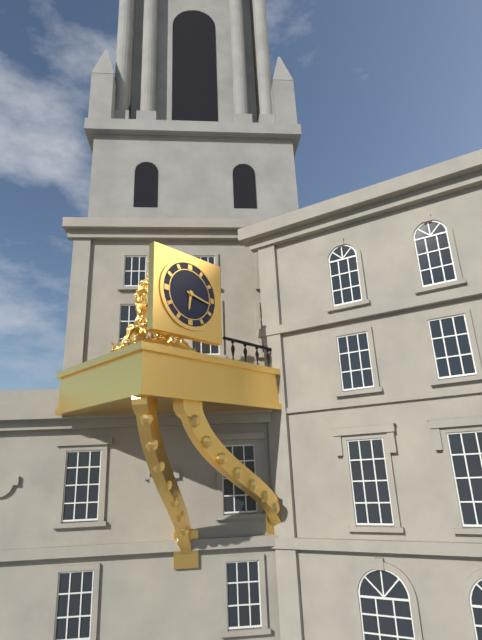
6h17
